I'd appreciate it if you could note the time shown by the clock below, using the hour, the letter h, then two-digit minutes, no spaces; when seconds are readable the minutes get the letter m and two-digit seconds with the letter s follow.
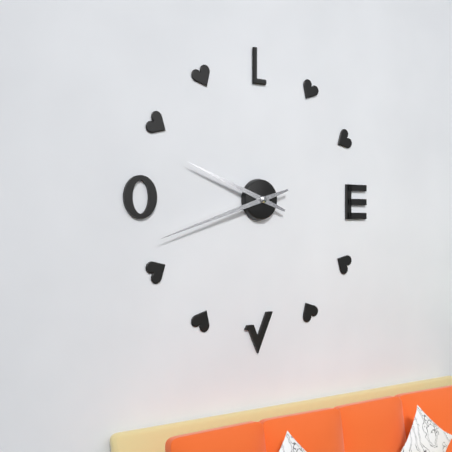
9h42
